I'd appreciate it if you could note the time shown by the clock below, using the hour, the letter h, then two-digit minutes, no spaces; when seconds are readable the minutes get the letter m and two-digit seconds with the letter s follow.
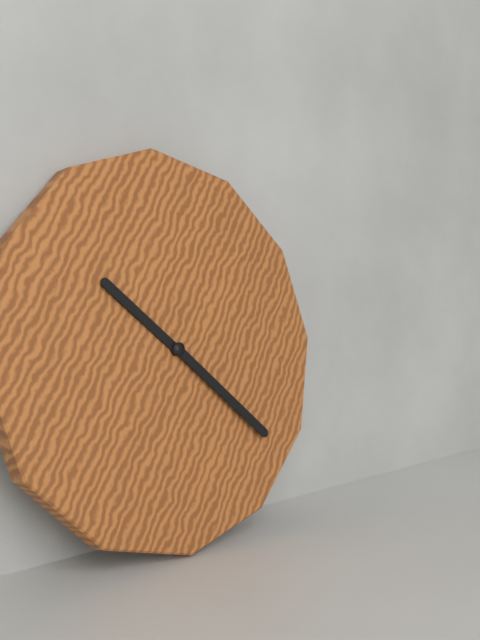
10h22
